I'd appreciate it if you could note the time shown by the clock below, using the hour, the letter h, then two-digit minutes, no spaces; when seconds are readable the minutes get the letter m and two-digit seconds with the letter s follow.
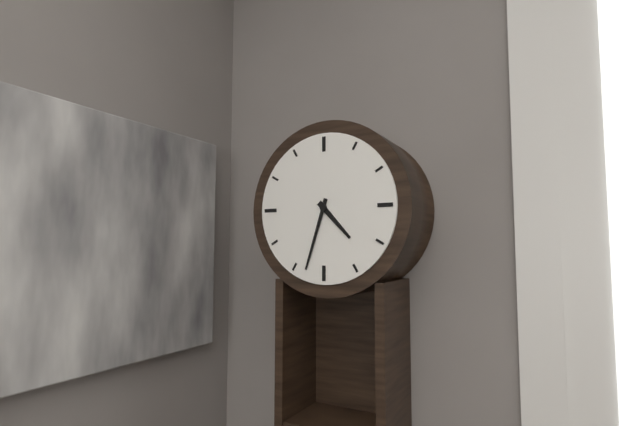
4h33
